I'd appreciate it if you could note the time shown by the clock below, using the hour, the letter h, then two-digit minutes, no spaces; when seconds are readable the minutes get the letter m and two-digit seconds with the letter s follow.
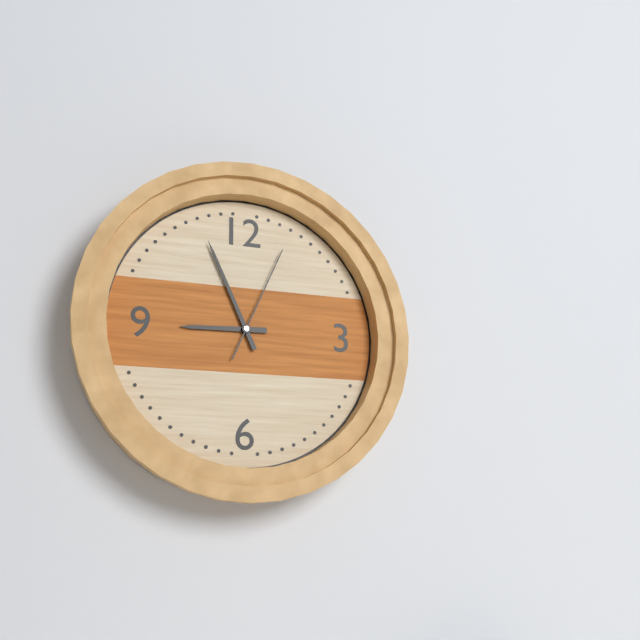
8h56m04s
